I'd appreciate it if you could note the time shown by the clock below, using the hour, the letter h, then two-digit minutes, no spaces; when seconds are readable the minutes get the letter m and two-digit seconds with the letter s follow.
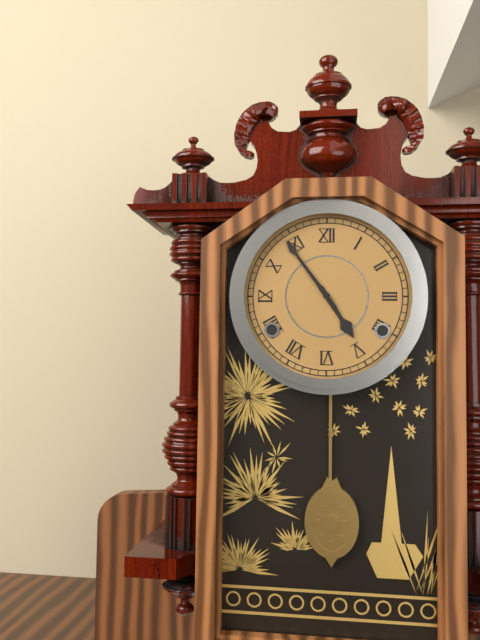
4h54
